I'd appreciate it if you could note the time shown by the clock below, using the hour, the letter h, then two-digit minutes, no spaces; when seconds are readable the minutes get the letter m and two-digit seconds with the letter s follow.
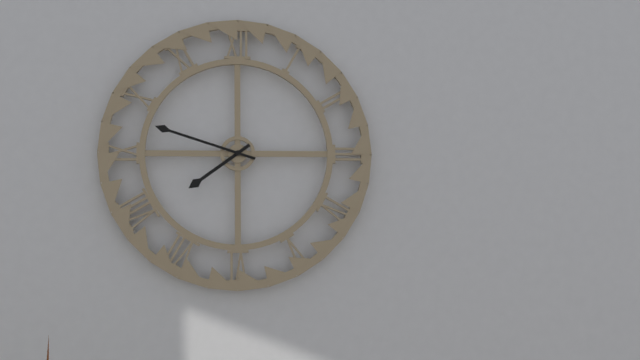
7h48
